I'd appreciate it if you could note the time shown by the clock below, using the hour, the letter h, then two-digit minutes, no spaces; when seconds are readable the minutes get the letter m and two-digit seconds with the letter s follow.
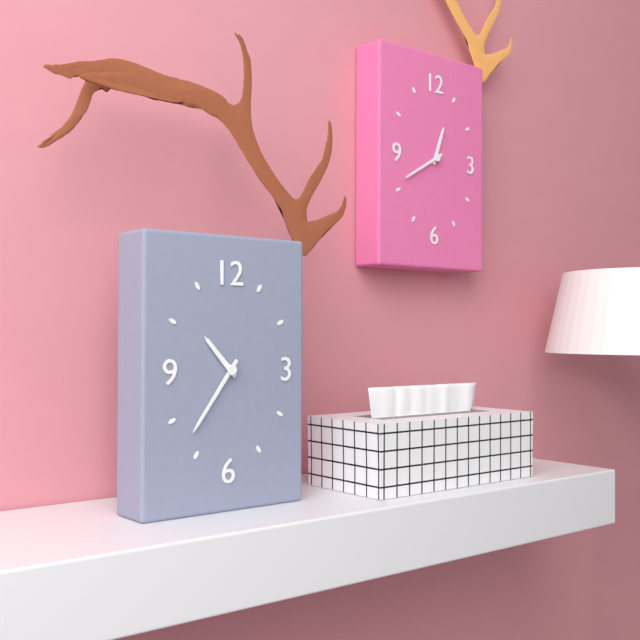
10h36
